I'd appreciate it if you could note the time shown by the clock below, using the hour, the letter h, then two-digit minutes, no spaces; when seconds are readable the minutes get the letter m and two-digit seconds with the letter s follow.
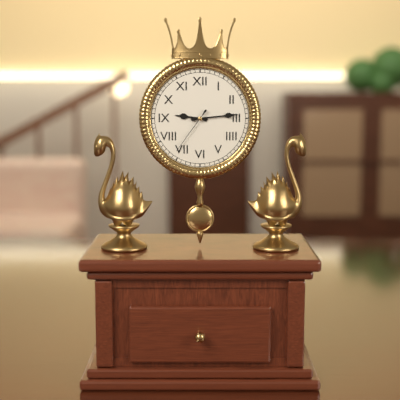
9h14m36s
